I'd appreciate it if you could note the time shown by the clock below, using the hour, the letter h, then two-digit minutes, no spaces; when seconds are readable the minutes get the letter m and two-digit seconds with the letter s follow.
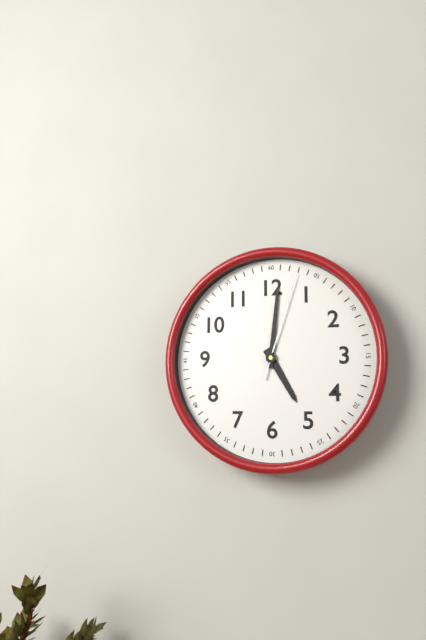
5h01m03s
